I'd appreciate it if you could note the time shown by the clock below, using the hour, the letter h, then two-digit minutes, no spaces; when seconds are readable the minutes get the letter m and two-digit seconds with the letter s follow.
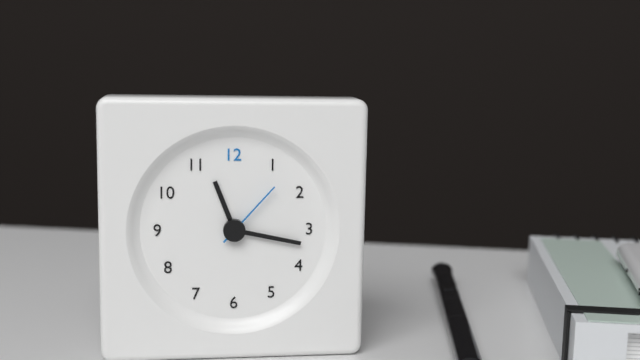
11h17m07s
